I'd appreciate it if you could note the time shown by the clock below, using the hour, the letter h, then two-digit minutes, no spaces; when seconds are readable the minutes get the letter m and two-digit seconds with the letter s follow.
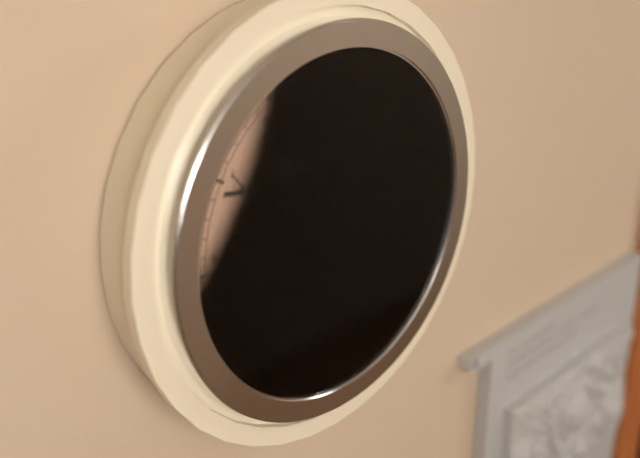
5h03
